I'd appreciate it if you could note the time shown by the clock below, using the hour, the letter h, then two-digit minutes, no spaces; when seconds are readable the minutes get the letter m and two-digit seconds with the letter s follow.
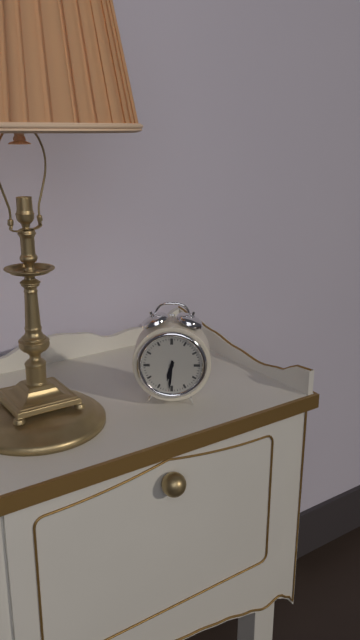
6h31
